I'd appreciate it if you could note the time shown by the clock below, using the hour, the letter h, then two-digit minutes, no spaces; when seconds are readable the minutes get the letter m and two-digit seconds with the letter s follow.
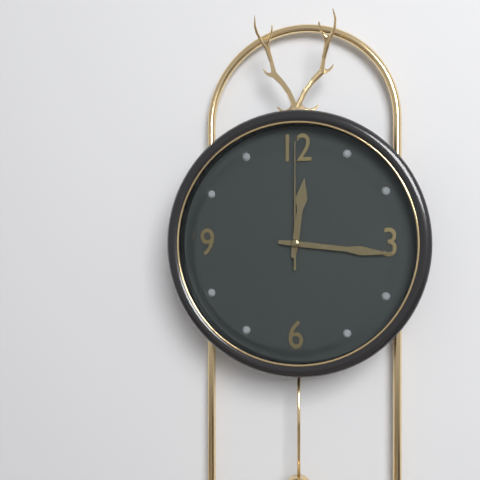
12h16m00s
